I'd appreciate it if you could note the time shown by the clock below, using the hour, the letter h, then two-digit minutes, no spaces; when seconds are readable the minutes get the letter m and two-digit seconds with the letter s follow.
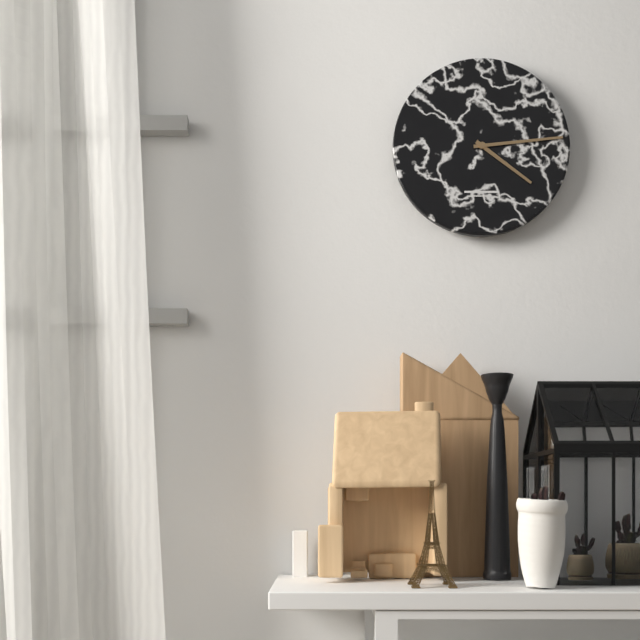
4h14
